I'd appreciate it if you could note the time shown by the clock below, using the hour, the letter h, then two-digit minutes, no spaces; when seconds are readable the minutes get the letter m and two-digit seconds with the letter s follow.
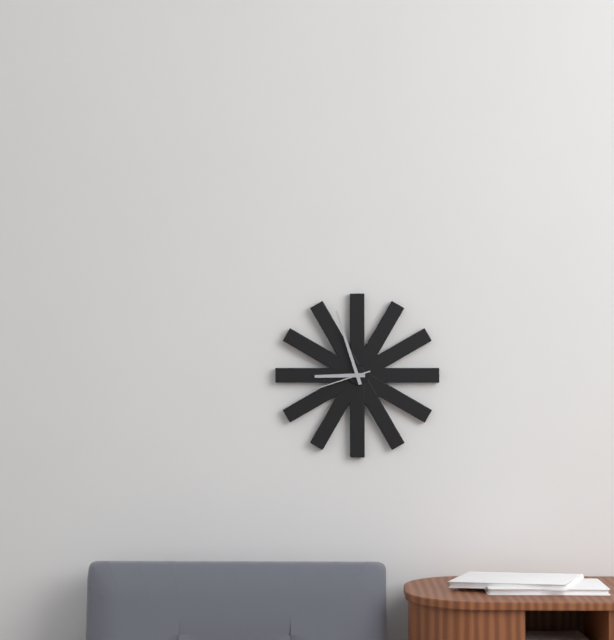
8h57m42s
